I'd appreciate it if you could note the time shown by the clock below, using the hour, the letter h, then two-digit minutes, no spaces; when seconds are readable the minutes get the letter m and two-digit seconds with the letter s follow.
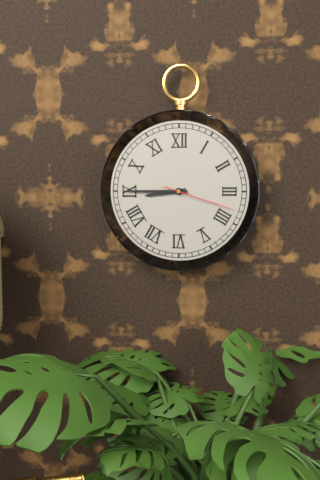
8h45m18s
